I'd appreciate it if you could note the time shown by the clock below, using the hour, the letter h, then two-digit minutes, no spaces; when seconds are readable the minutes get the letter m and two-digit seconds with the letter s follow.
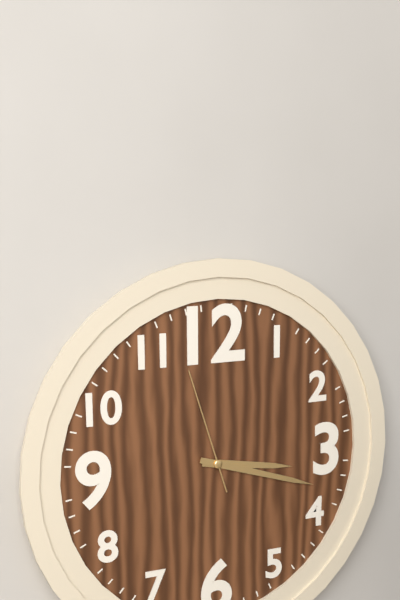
3h18m57s
